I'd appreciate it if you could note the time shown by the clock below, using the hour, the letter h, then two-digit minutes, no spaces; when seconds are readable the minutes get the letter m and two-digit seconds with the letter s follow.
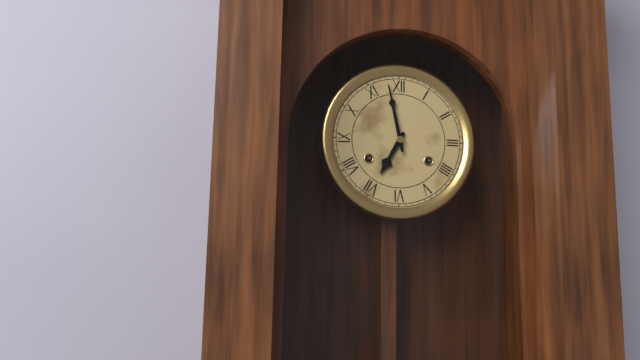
6h58
